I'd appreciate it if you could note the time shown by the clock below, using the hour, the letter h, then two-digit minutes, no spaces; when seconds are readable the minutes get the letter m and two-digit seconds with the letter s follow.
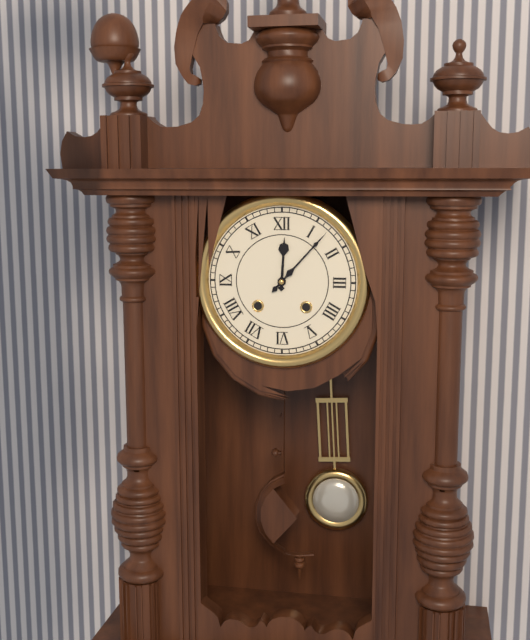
12h07
